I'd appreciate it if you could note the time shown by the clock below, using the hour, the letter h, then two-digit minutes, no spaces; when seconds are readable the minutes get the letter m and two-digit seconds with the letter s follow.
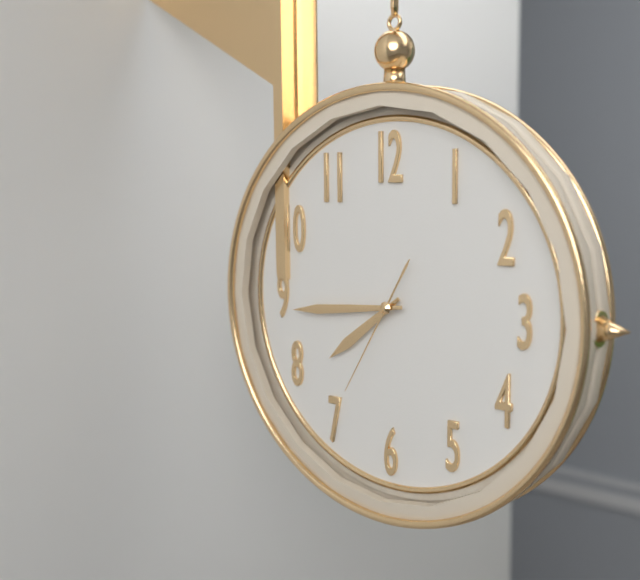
7h44m35s
